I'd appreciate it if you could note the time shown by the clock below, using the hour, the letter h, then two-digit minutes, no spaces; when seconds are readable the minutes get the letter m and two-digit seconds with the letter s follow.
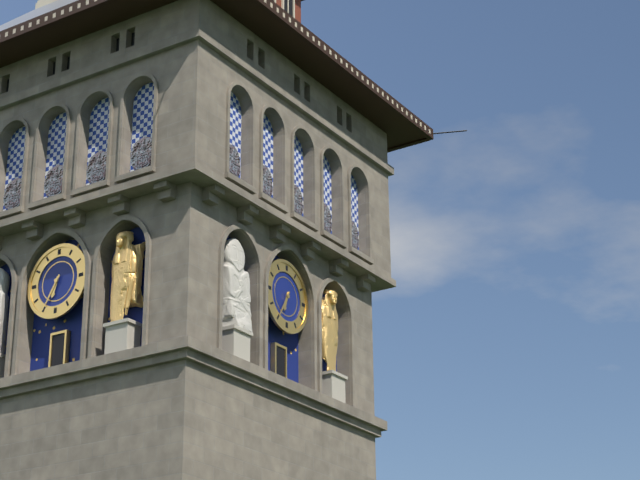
6h35
